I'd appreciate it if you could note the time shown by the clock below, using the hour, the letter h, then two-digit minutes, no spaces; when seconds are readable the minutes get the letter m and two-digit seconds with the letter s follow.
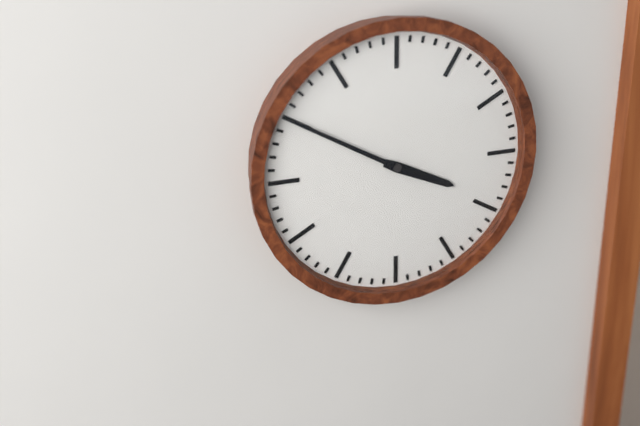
3h50
